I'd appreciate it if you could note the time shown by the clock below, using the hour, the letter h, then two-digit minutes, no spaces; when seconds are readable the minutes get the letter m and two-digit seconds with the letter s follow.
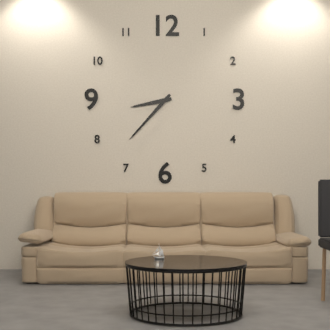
8h37
